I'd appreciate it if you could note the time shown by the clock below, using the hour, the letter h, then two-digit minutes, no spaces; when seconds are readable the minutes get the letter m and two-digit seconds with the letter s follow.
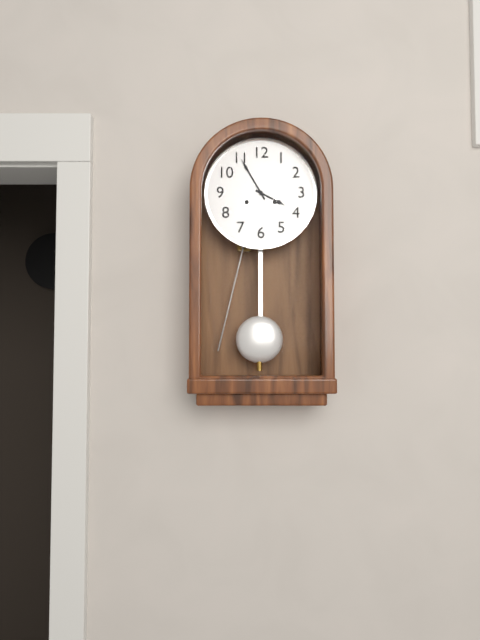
3h55
